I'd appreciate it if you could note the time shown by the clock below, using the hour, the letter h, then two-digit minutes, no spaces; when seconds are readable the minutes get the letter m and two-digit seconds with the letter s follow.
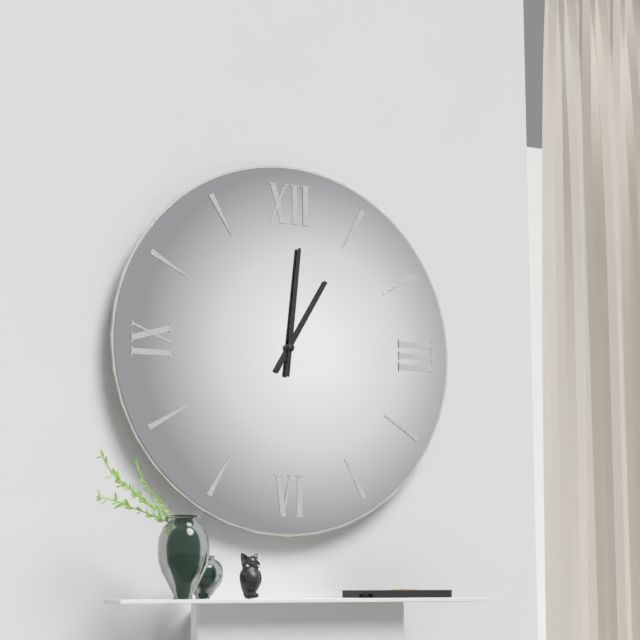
1h01
